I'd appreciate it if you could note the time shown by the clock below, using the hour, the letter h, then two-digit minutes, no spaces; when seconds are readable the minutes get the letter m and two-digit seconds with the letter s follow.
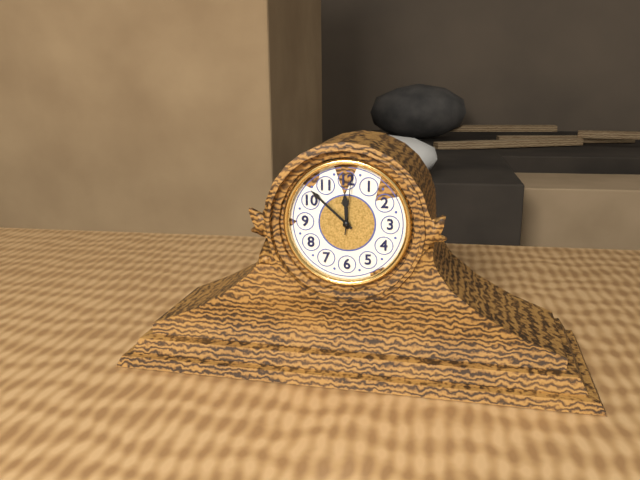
11h52m01s
